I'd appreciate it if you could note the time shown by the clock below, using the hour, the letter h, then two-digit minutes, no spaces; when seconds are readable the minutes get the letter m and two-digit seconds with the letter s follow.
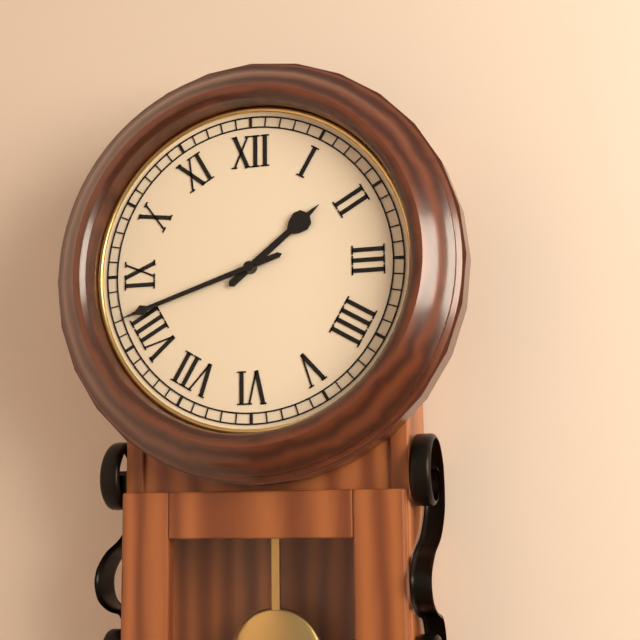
1h42
